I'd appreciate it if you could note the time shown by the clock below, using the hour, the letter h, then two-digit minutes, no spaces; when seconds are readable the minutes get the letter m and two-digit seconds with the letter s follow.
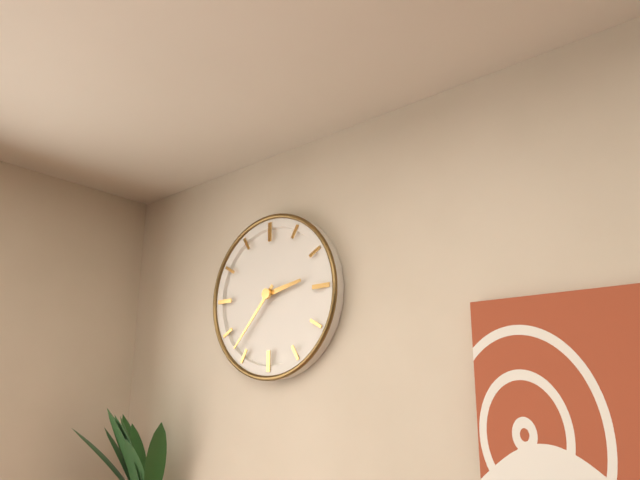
2h37
